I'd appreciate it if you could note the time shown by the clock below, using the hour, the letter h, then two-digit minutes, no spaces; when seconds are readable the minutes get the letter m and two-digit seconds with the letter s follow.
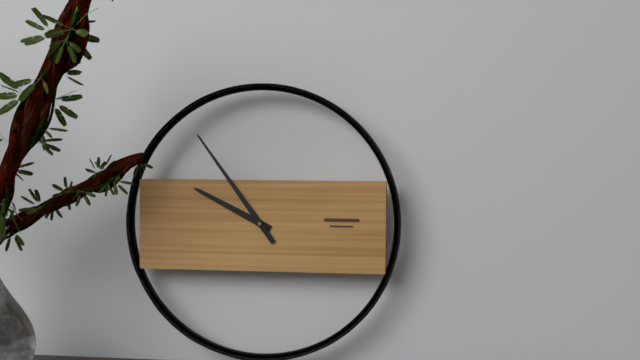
9h54
